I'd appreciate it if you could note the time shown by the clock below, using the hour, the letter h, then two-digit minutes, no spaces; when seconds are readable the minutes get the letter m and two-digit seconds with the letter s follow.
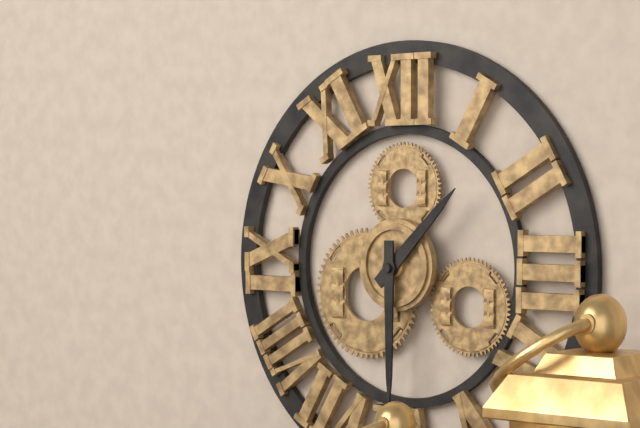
1h30
